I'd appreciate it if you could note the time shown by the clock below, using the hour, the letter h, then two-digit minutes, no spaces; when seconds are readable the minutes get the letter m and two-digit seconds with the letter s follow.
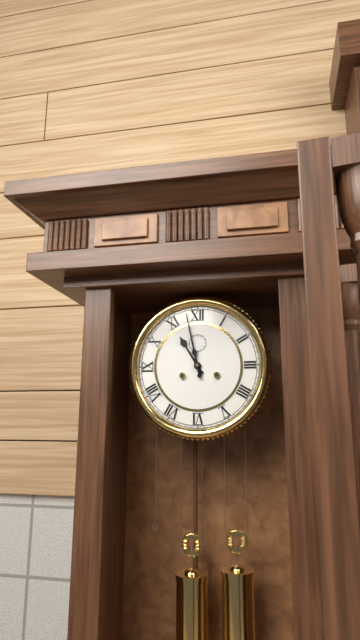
10h58
